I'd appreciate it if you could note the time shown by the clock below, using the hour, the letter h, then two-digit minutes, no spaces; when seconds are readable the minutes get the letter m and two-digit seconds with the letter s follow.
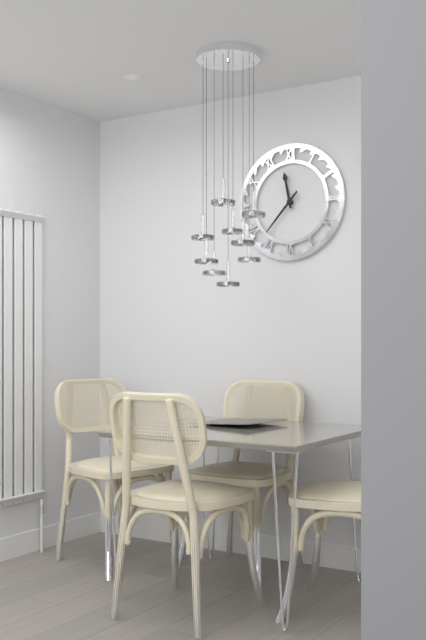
11h37
